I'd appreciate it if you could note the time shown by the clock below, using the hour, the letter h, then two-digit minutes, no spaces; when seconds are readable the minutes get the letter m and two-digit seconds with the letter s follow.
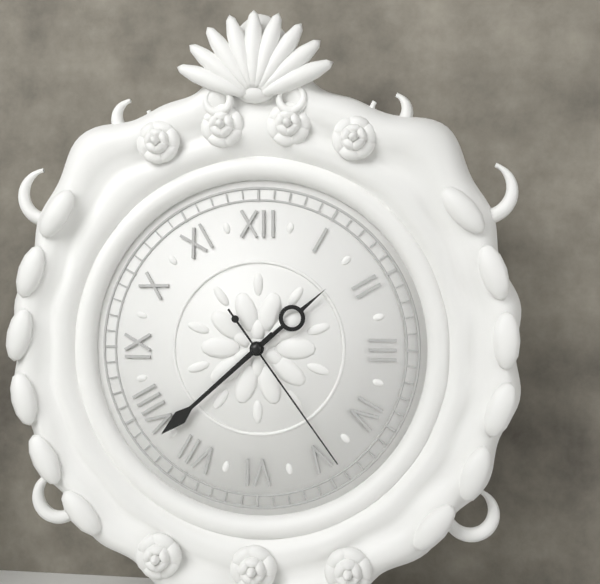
1h38m24s
